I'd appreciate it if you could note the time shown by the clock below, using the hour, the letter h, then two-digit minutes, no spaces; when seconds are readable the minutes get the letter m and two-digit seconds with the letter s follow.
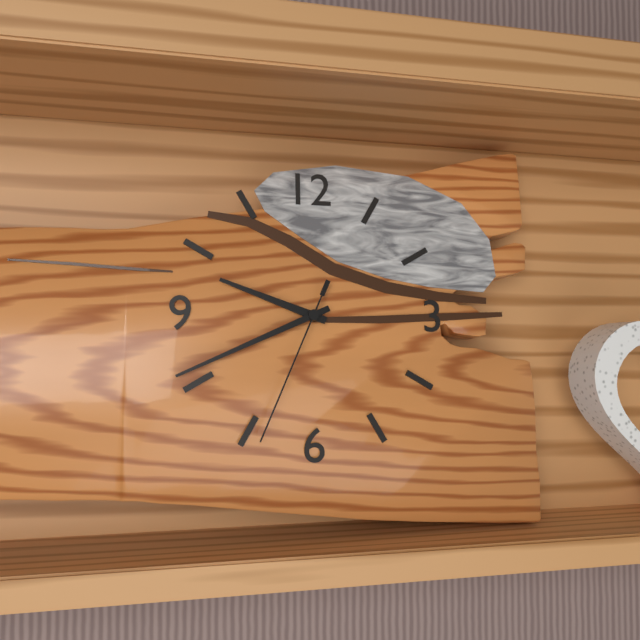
9h41m34s
